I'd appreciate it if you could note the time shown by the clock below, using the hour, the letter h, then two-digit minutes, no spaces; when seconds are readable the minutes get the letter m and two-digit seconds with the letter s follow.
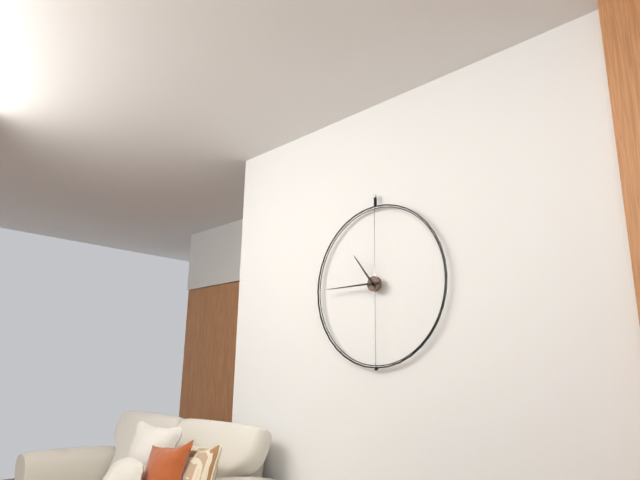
10h45
